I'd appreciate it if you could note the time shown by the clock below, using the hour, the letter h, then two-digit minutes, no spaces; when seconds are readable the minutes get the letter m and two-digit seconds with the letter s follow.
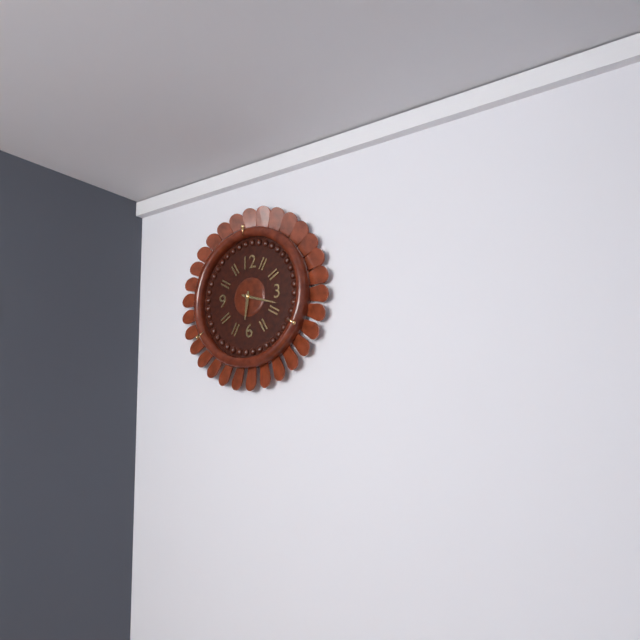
6h18
